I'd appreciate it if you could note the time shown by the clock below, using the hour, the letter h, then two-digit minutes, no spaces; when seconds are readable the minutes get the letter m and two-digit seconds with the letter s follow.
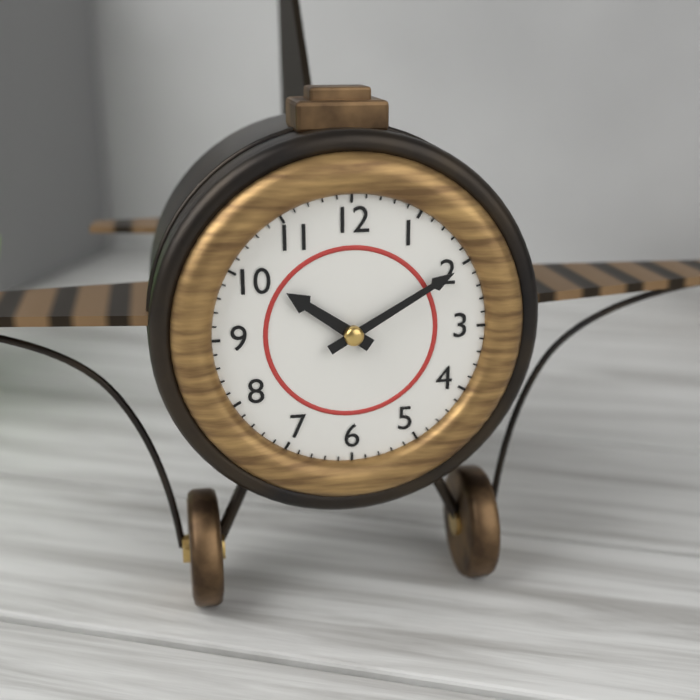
10h10
